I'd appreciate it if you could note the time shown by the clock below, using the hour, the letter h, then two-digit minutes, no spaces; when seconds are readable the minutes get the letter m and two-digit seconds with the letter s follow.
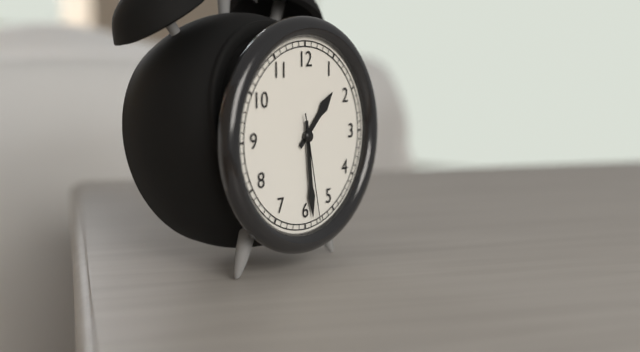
1h29m28s
